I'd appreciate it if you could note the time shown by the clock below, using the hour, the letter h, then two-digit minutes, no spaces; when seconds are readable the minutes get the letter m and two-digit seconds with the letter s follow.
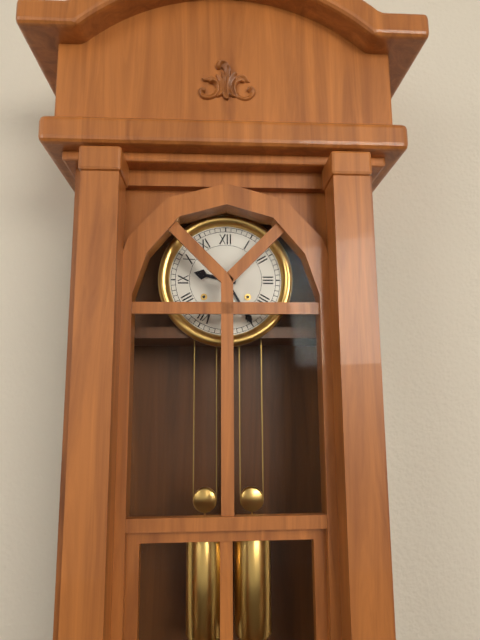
9h25
